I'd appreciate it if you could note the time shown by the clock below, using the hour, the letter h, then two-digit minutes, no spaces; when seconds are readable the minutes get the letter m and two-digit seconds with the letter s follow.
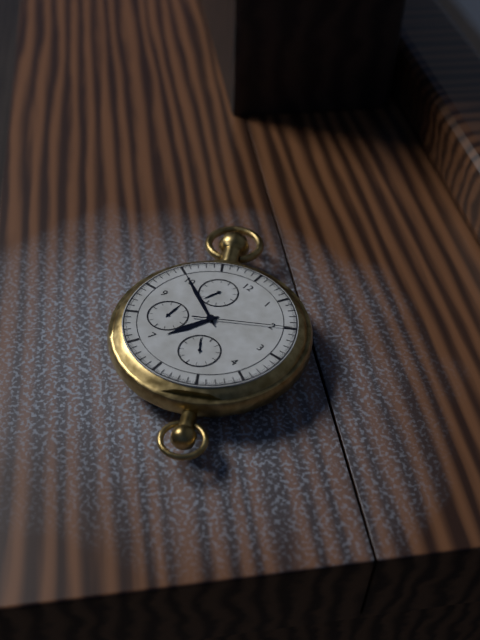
6h50m10s
